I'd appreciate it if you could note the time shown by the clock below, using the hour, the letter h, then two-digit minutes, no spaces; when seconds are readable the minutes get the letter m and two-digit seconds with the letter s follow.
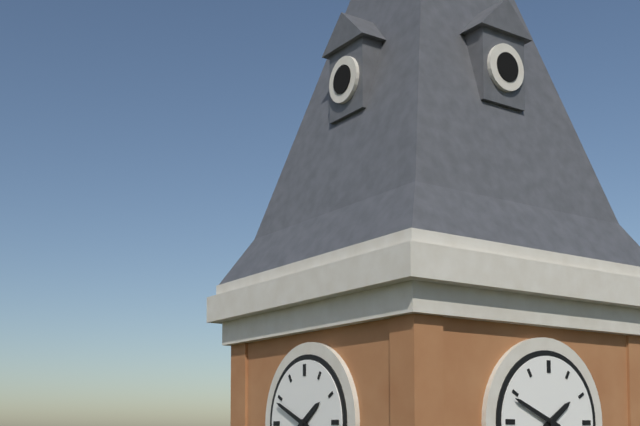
1h49
